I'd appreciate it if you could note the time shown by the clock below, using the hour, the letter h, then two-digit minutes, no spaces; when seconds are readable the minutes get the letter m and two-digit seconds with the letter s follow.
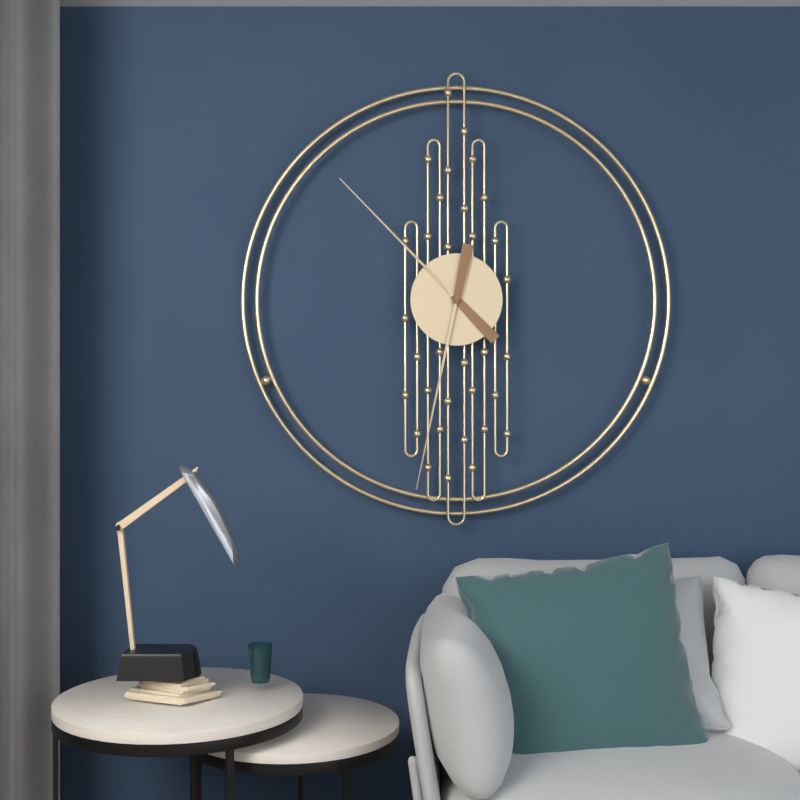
10h32
